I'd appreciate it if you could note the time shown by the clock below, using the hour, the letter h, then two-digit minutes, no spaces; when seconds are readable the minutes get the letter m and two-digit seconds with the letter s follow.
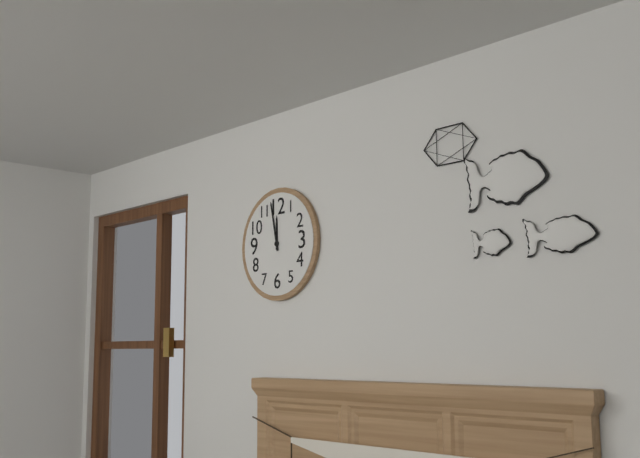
11h58
